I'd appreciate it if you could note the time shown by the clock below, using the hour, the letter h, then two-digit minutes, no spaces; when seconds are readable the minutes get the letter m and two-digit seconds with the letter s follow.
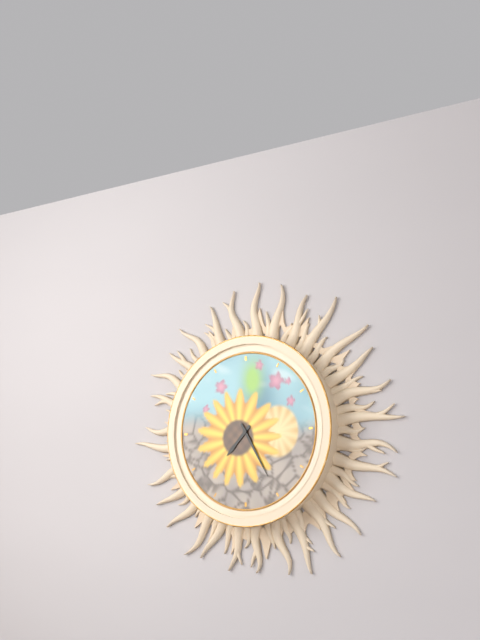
7h25
